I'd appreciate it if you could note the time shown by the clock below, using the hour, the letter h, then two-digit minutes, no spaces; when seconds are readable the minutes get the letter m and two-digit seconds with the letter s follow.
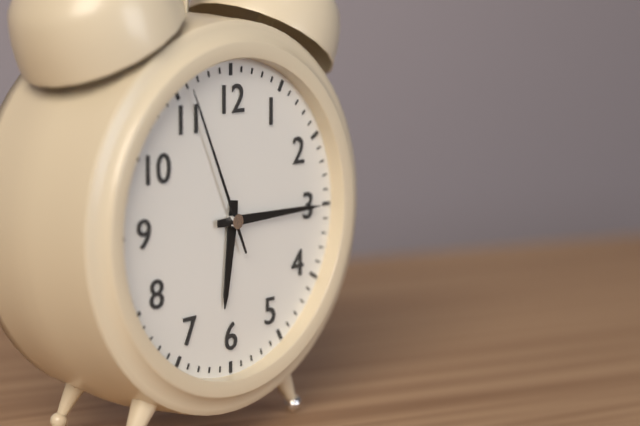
6h15m56s
